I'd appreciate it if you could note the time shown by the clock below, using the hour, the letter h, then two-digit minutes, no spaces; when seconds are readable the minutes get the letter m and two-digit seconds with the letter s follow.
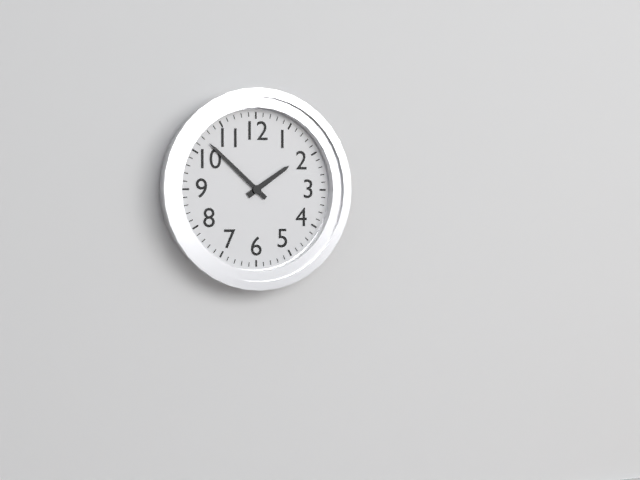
1h52
